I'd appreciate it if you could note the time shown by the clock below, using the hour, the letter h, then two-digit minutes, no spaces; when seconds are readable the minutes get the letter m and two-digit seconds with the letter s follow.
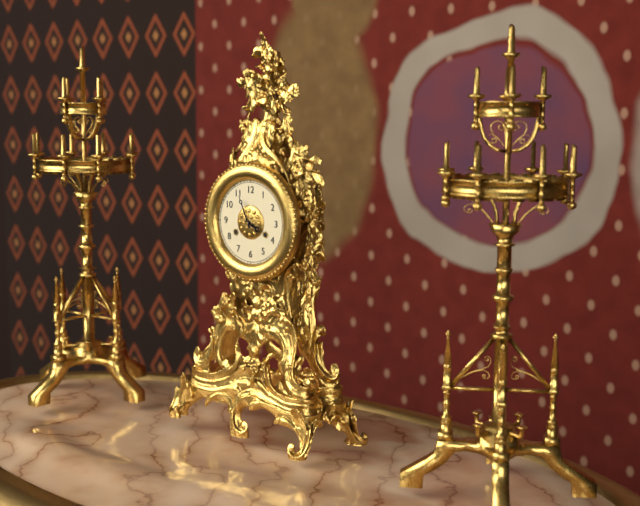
3h56
